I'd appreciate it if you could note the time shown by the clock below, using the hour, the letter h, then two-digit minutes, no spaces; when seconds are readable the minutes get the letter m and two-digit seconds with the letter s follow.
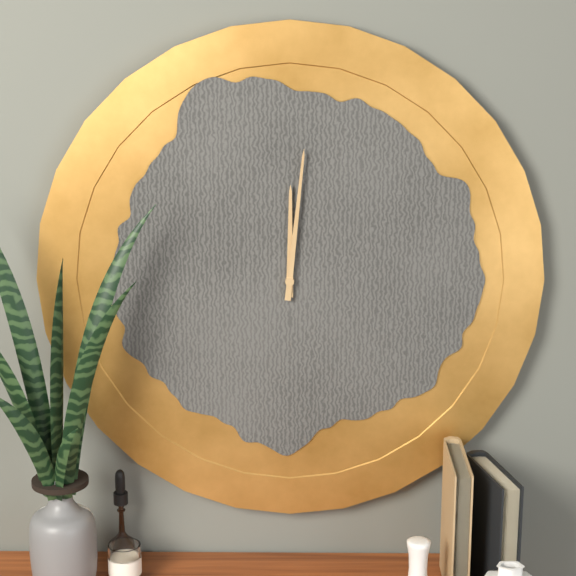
12h01
